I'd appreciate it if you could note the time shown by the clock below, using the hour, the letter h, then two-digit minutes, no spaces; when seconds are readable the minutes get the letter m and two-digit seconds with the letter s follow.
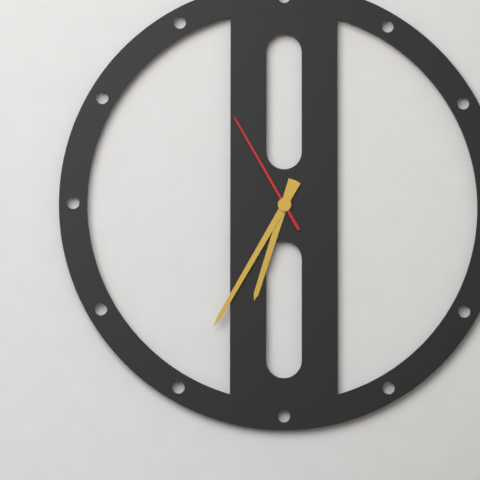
6h35m55s
